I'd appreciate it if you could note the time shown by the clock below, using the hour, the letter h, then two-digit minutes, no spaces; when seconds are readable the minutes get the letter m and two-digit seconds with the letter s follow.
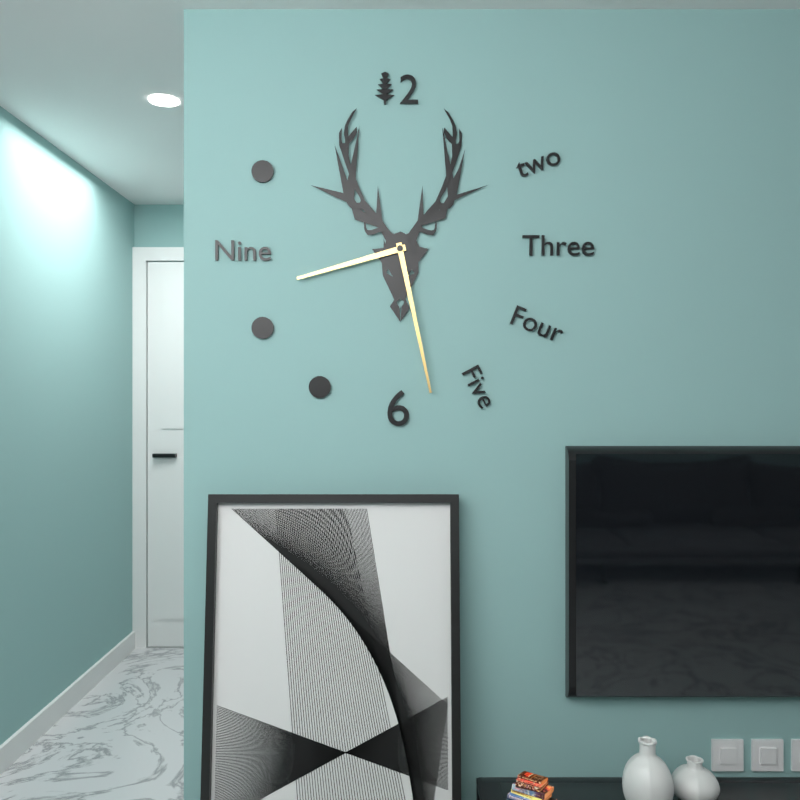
8h28
